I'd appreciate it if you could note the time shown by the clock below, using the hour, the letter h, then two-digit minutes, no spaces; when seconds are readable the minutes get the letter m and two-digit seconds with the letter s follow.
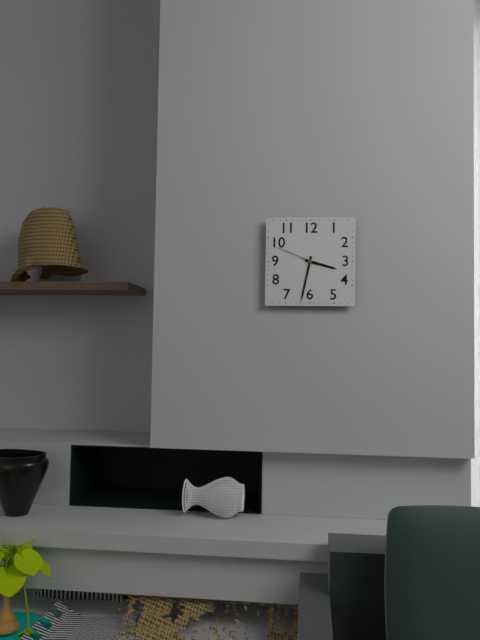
3h32
